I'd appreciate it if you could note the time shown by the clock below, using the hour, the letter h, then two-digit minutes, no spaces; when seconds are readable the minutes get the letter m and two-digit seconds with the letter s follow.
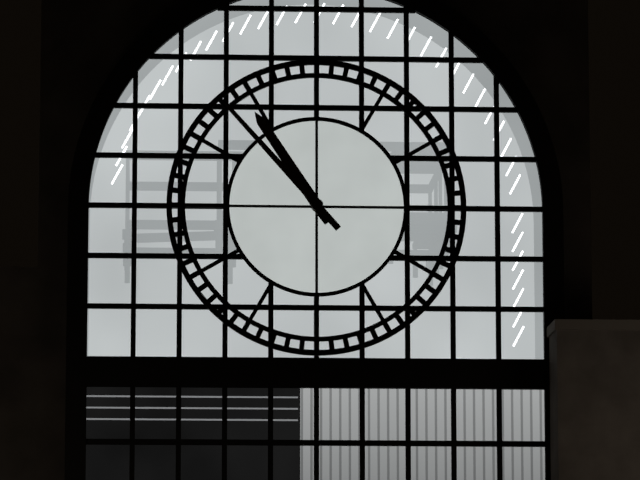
10h53
